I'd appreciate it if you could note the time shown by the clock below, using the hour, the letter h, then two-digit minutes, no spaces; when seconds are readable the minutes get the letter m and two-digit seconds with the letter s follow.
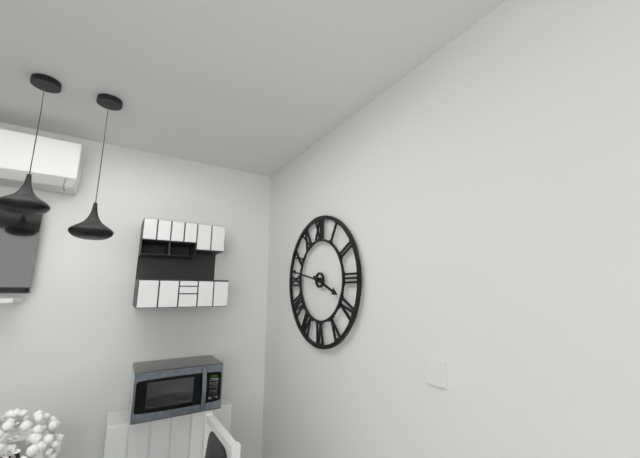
3h47
